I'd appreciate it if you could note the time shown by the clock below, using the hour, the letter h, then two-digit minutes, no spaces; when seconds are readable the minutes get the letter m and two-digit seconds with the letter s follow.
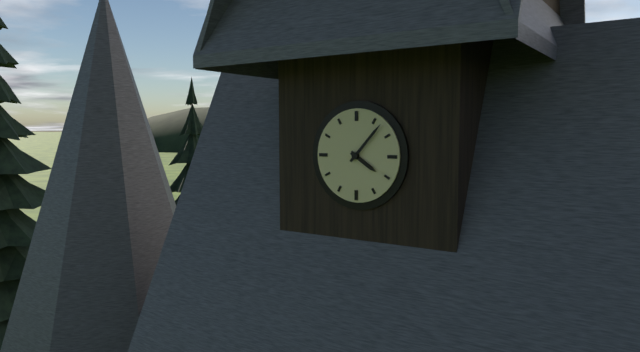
4h07
